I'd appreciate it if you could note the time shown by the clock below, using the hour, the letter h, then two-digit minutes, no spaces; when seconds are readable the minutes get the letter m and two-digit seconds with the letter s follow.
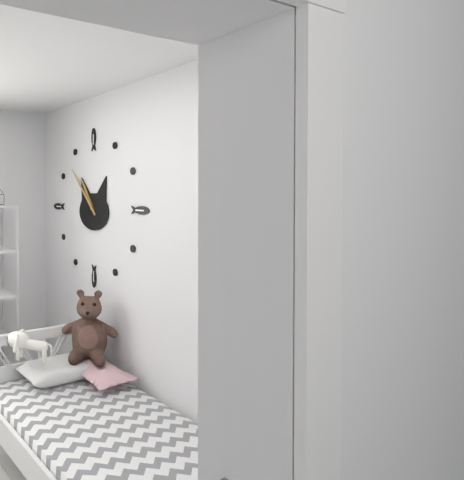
10h53
